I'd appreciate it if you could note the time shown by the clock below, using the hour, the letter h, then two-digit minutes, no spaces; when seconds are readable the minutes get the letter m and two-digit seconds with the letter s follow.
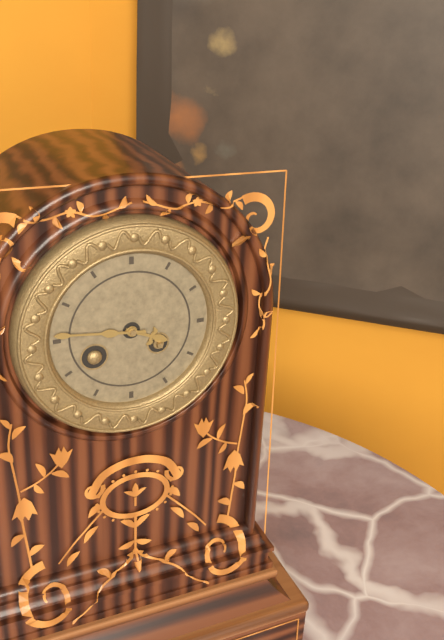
3h46
